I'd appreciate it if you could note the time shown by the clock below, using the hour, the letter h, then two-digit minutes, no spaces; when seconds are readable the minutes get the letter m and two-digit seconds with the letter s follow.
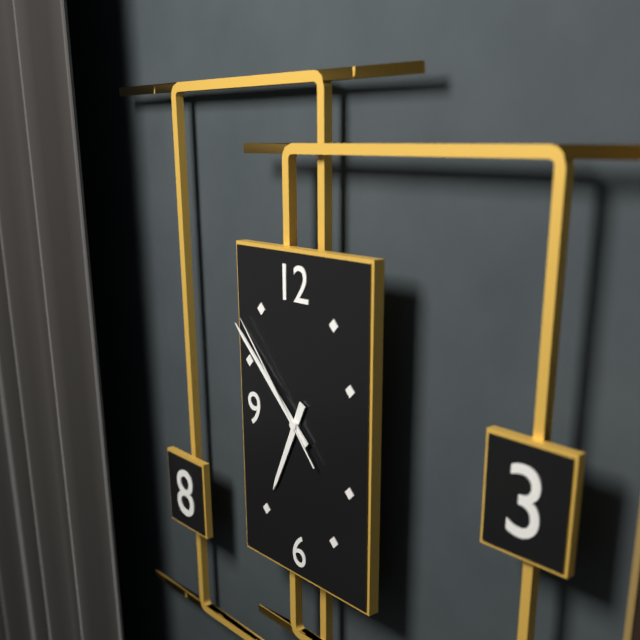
6h52m53s
